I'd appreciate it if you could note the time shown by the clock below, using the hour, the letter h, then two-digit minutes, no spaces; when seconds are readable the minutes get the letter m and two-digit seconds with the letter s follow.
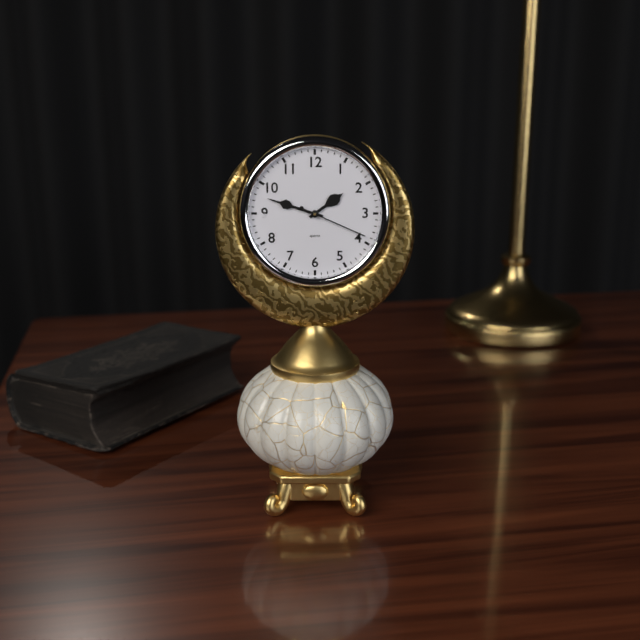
1h48m19s
